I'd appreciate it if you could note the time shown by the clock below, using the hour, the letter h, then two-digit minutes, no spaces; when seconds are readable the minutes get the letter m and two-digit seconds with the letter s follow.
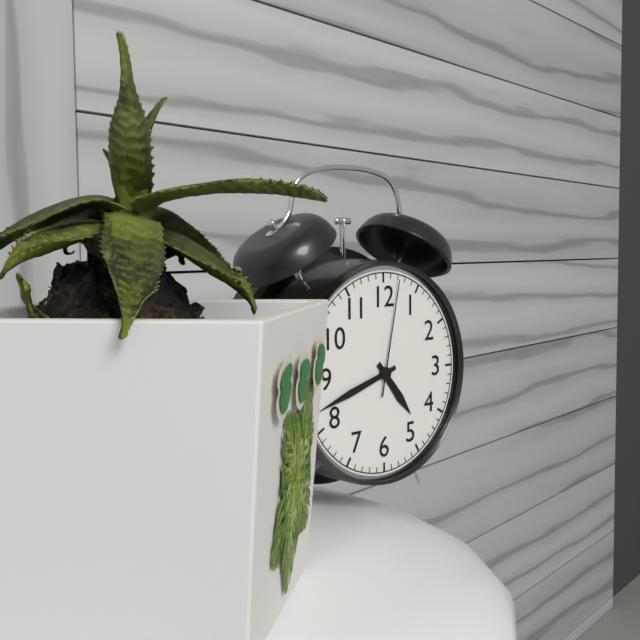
4h42m02s
